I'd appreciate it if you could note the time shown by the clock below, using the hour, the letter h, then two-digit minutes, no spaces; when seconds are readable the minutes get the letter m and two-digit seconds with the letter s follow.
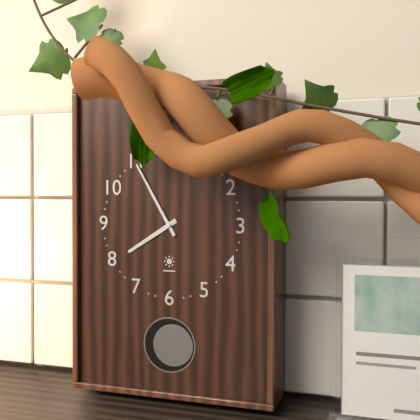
7h55
